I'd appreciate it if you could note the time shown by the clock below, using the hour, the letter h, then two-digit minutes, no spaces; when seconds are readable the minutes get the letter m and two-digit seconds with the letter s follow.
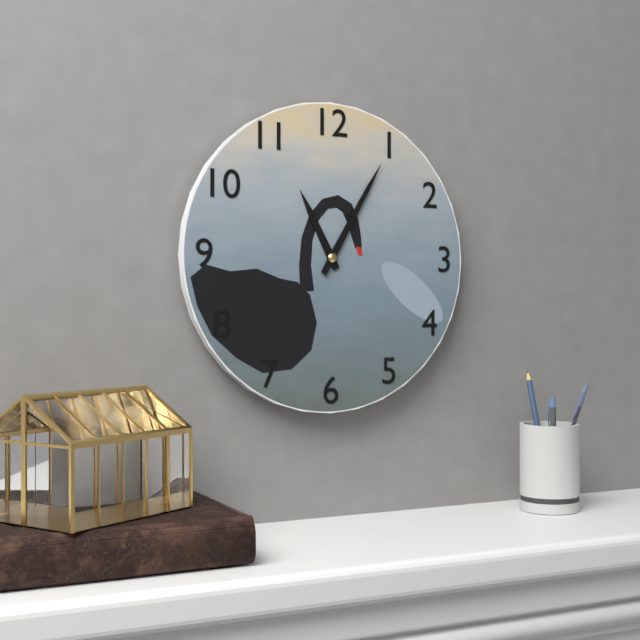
11h05
